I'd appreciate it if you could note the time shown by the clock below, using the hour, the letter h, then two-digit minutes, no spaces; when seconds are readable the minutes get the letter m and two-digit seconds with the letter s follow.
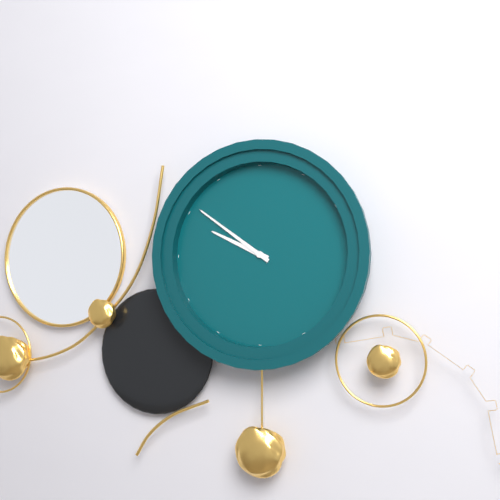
9h51
